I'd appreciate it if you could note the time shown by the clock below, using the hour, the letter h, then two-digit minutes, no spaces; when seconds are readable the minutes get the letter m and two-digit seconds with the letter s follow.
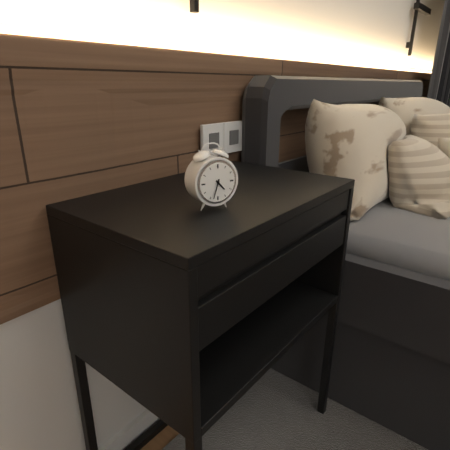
4h33
